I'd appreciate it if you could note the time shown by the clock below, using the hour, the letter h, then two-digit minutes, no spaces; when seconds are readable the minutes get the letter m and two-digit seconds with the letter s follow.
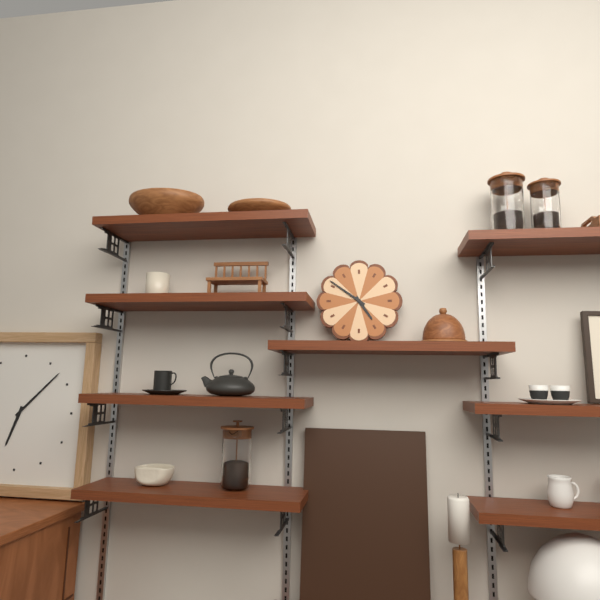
4h51
